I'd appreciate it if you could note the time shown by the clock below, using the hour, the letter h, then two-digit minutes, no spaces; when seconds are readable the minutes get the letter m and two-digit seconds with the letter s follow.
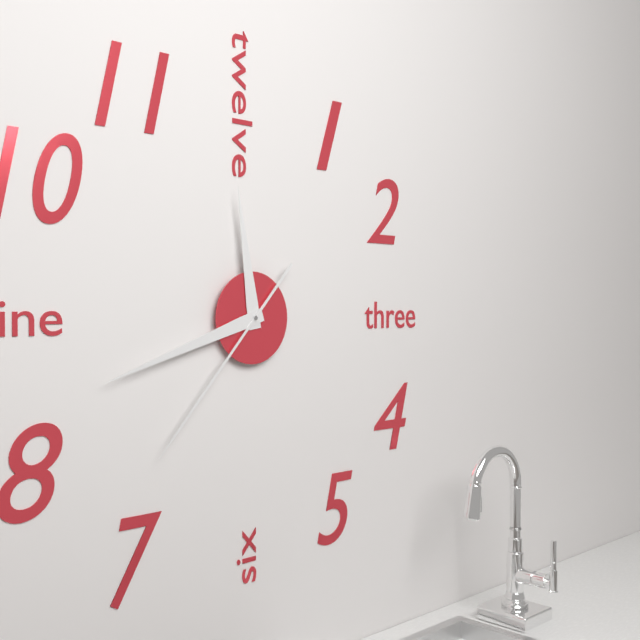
11h42m37s
